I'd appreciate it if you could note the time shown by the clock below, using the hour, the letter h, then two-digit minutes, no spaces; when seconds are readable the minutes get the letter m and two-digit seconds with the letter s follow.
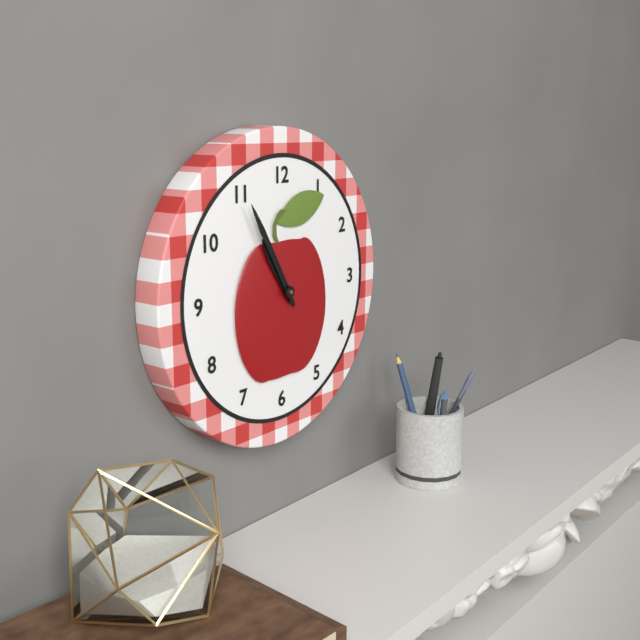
10h55
